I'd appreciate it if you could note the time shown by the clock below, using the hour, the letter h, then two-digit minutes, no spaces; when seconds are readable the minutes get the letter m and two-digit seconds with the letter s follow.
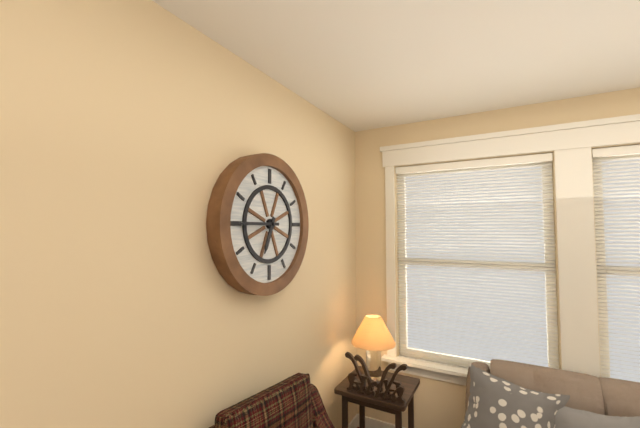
6h45
